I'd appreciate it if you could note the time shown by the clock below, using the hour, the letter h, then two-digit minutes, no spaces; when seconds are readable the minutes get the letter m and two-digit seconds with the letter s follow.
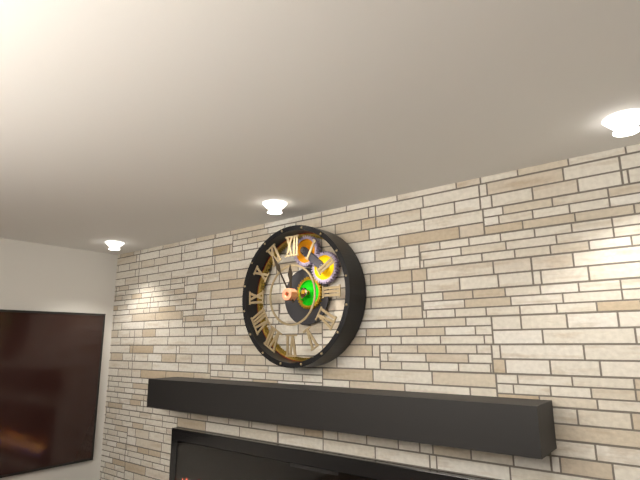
11h55
